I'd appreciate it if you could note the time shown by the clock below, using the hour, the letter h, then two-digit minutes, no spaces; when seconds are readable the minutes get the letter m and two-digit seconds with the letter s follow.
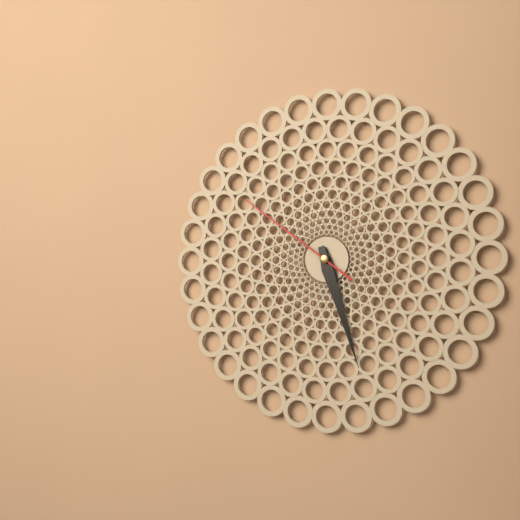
5h27m51s
